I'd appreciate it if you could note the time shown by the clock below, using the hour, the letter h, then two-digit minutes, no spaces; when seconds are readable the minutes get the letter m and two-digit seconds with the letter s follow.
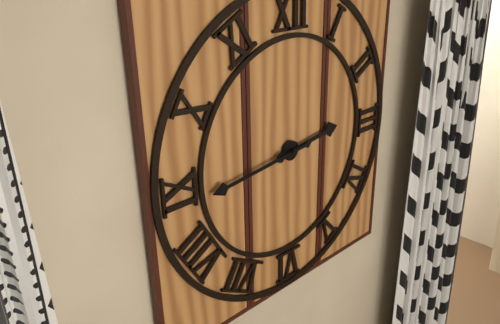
2h44
